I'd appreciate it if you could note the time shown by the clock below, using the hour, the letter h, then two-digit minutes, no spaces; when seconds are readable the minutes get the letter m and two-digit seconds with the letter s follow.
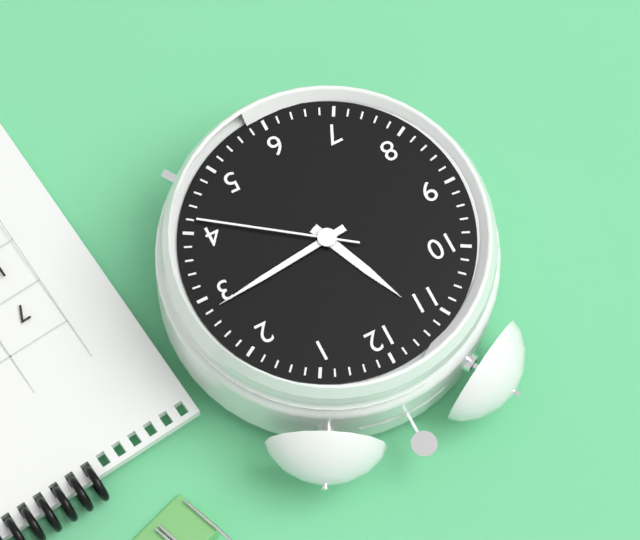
11h14m21s
